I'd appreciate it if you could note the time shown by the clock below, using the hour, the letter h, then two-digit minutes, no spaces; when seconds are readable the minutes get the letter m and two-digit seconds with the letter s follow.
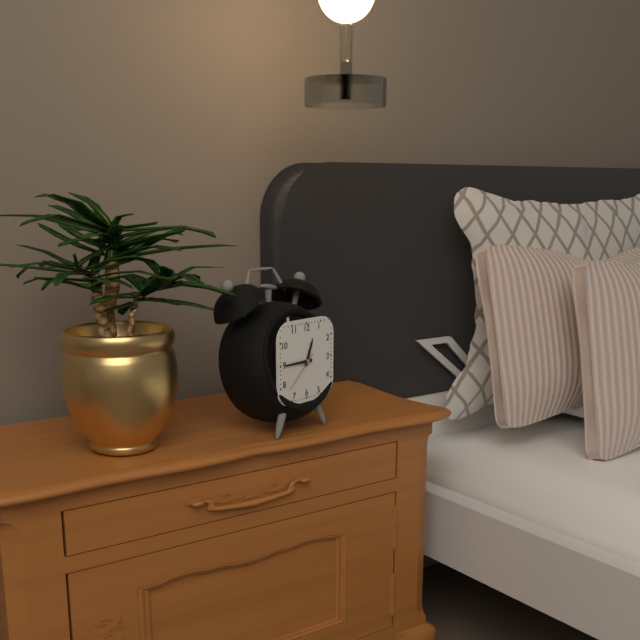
12h45
